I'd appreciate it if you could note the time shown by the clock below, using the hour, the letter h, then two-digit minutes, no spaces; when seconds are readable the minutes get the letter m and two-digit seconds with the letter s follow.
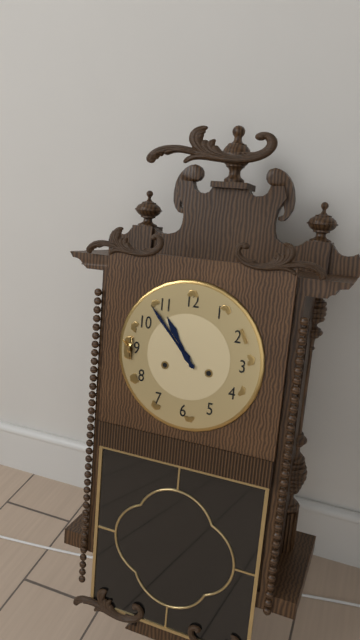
10h53
